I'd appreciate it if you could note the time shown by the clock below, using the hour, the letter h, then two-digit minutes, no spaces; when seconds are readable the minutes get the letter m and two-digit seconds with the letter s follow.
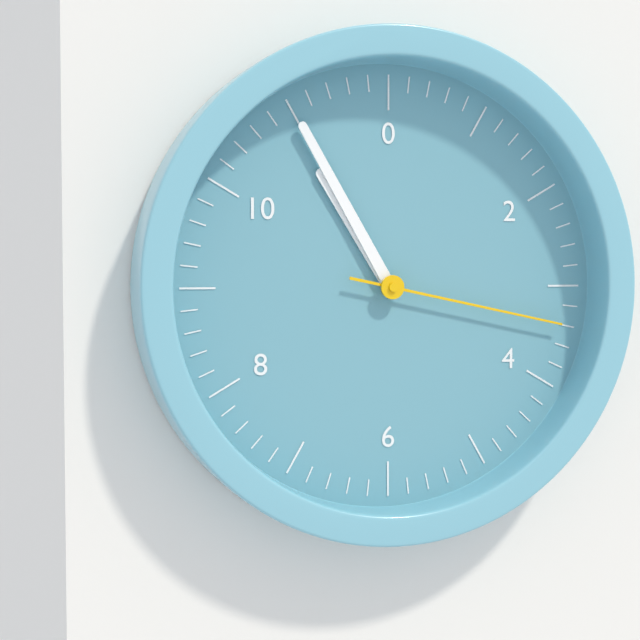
10h55m17s
